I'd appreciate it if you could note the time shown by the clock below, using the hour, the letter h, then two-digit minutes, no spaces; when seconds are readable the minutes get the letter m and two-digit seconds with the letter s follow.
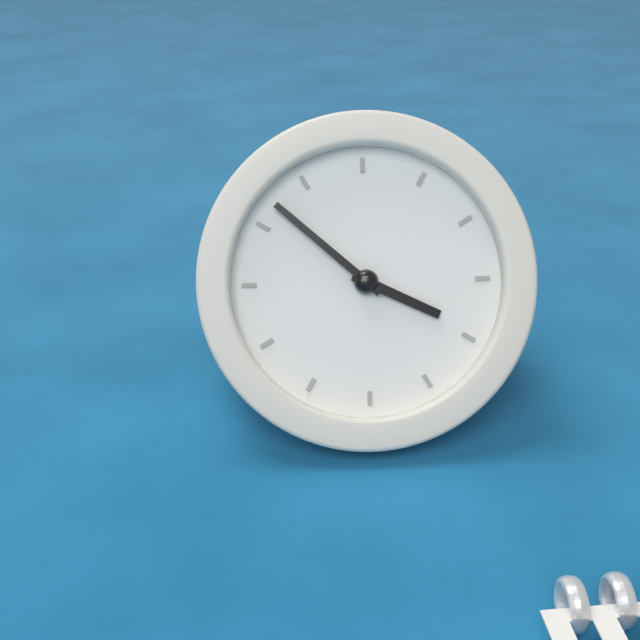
3h52
